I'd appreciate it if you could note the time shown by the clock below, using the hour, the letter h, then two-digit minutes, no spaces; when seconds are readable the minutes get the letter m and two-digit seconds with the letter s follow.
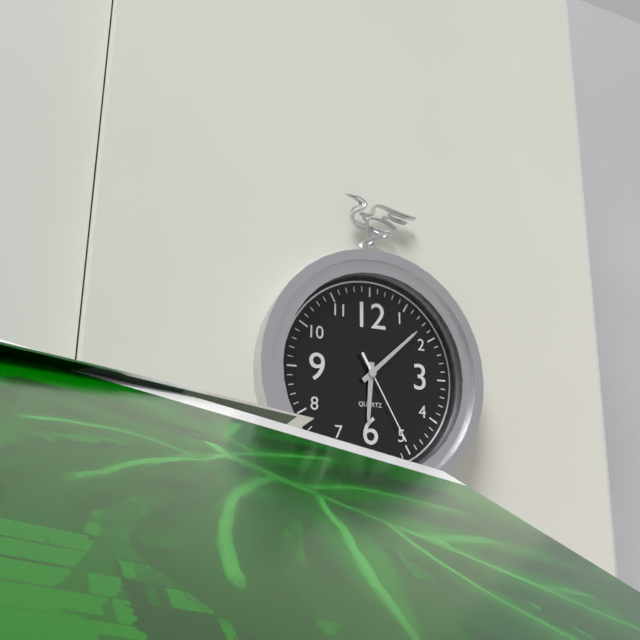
6h08m25s
